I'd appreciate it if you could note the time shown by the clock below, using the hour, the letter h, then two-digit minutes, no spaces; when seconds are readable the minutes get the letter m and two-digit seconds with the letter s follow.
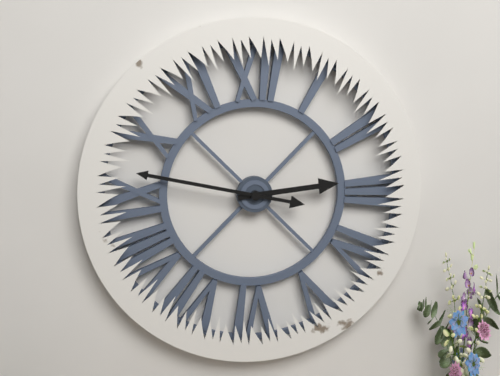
2h47
